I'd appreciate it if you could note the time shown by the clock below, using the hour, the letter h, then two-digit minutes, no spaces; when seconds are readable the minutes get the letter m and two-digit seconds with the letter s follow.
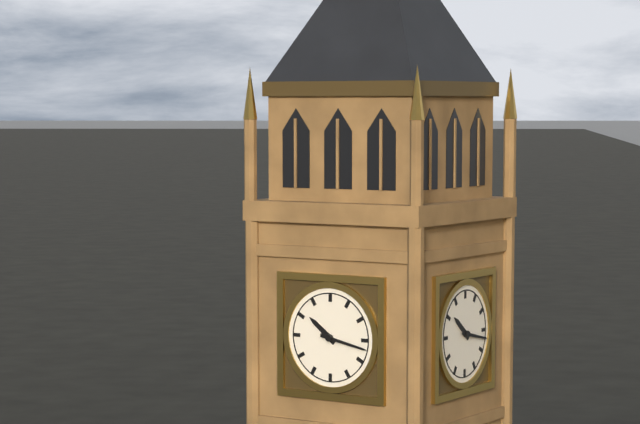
10h17
